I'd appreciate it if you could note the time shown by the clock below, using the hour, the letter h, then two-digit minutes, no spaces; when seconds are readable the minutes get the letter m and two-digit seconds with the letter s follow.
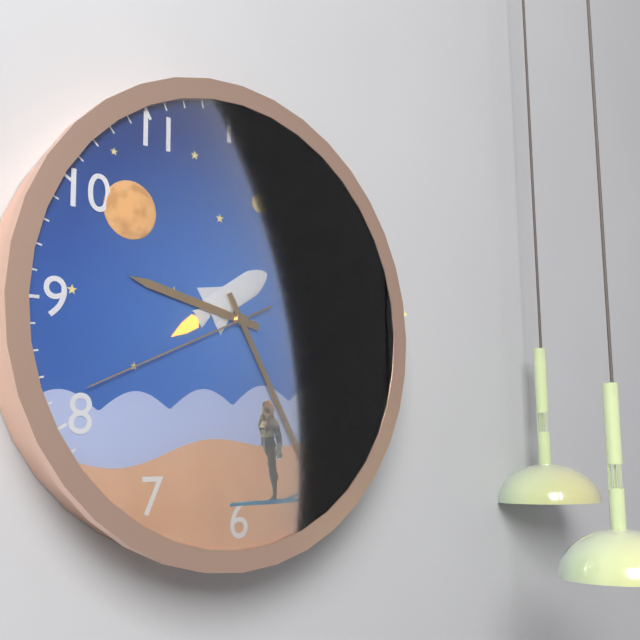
9h25m41s
